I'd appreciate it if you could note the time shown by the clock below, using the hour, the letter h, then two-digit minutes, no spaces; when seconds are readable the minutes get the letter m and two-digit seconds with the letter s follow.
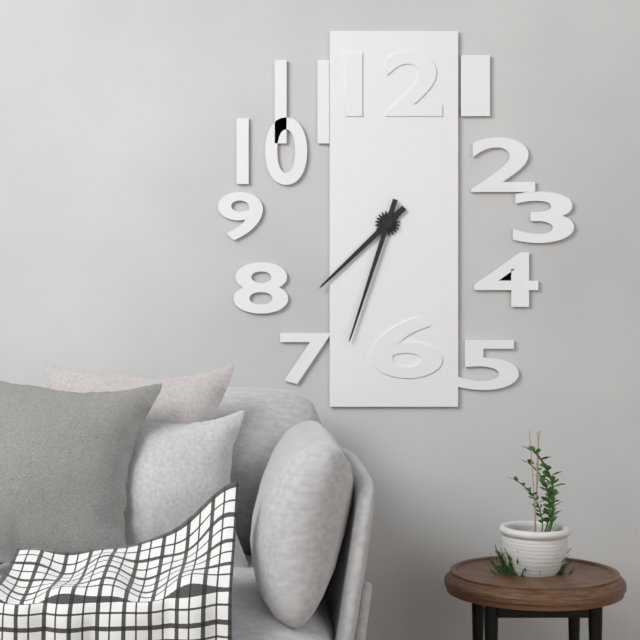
7h33
